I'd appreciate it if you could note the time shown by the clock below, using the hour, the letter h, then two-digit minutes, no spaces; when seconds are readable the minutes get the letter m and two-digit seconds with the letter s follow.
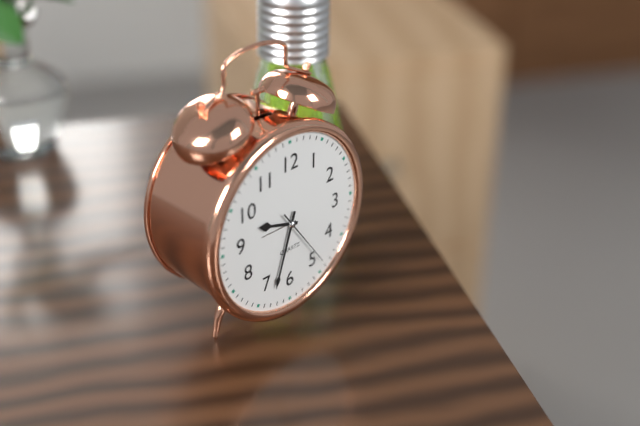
9h33m24s
